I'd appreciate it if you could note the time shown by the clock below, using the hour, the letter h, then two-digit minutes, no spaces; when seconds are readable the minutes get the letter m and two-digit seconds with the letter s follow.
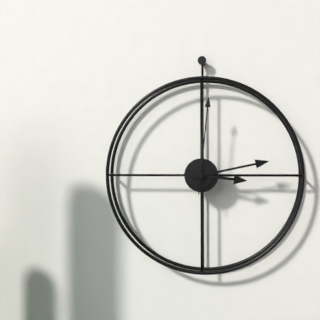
3h13m01s
